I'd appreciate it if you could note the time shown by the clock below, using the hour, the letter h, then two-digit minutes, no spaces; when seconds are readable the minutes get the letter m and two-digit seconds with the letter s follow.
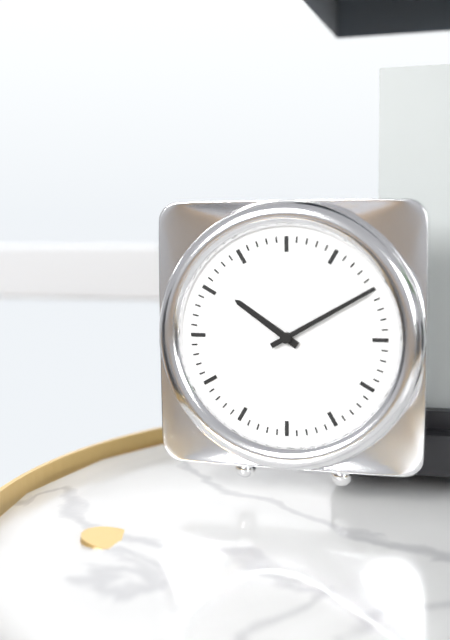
10h10
